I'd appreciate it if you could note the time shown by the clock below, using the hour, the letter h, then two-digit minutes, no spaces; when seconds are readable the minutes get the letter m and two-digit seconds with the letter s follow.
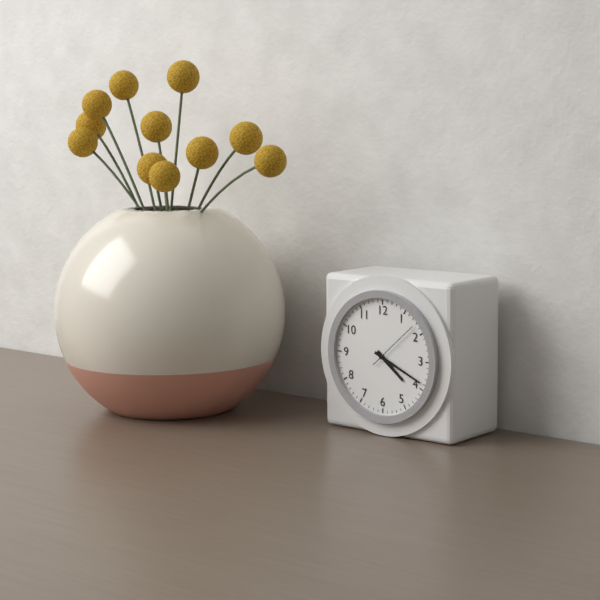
4h19m08s
